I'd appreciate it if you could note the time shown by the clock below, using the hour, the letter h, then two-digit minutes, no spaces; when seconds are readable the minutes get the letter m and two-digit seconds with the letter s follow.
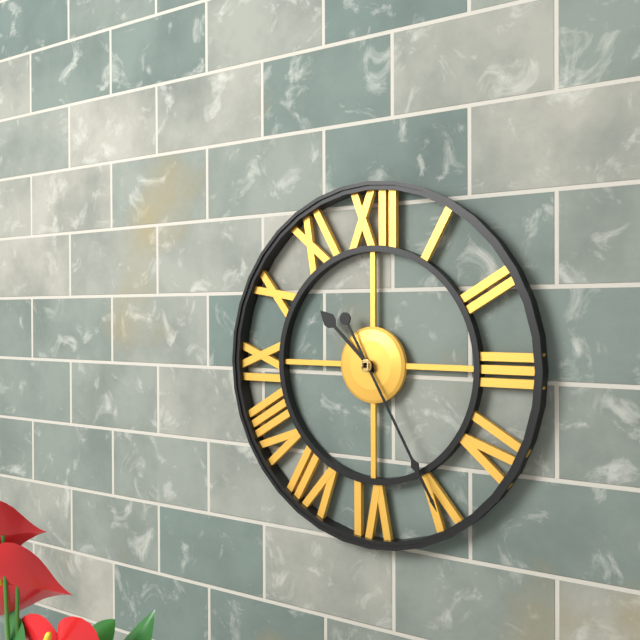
10h25
